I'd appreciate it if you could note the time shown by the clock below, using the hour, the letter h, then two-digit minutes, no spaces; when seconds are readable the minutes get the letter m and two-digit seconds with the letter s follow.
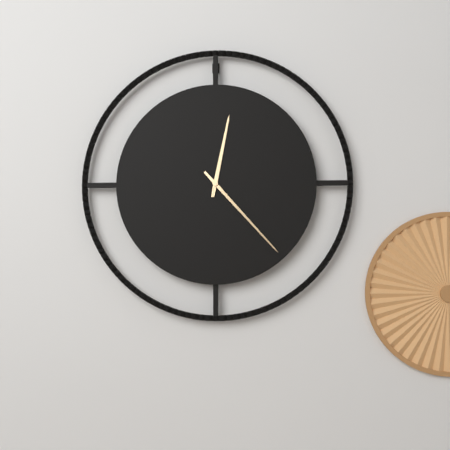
12h23
